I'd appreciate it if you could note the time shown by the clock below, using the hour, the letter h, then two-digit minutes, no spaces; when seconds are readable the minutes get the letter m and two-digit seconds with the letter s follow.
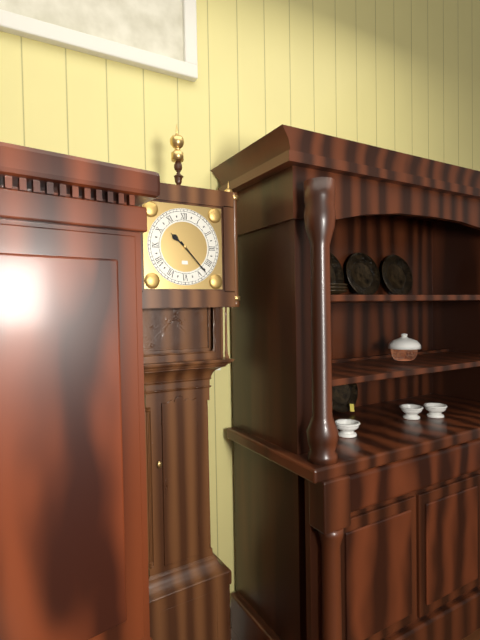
10h23
